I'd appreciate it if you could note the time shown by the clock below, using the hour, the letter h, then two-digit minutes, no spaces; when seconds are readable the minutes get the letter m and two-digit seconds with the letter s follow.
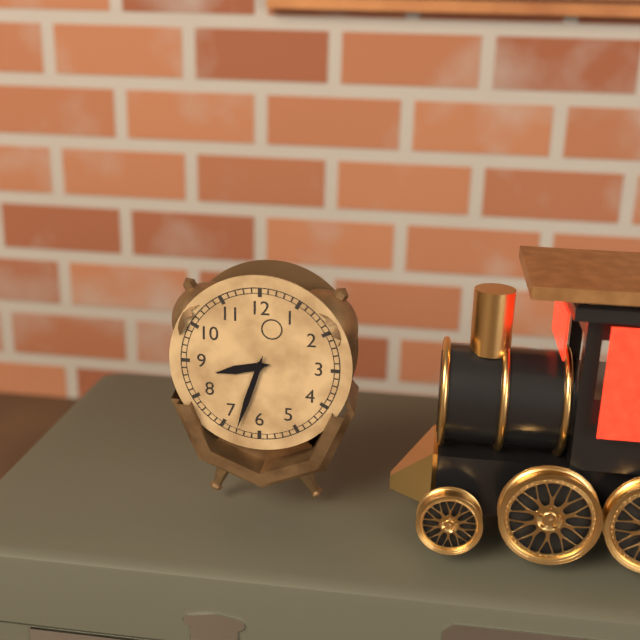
8h33
